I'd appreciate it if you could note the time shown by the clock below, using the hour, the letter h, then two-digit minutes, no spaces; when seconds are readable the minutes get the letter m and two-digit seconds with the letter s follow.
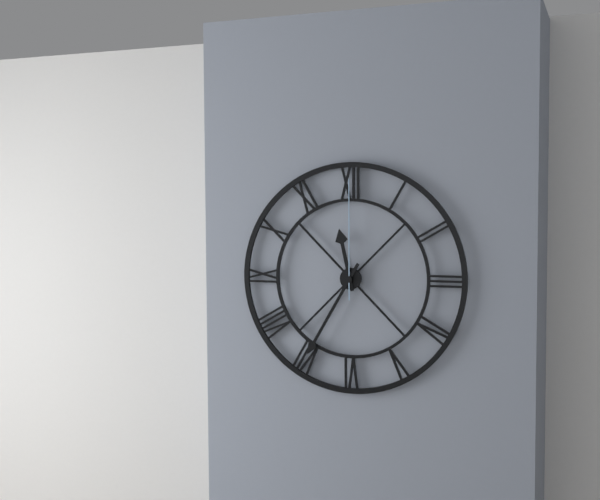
11h35m00s
